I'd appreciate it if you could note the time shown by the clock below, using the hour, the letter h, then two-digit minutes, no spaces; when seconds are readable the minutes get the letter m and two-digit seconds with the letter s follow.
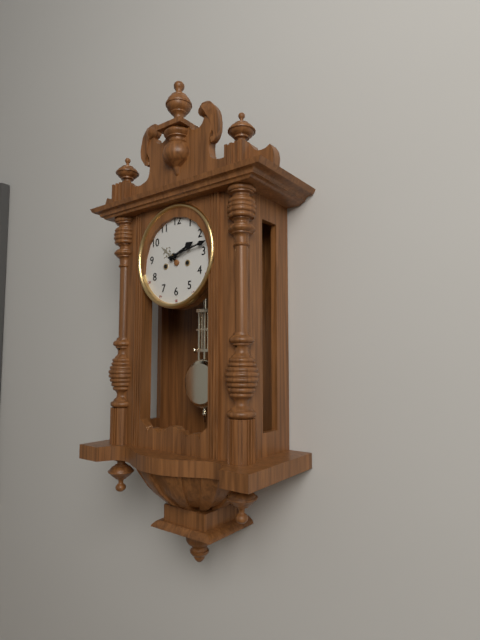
2h13
